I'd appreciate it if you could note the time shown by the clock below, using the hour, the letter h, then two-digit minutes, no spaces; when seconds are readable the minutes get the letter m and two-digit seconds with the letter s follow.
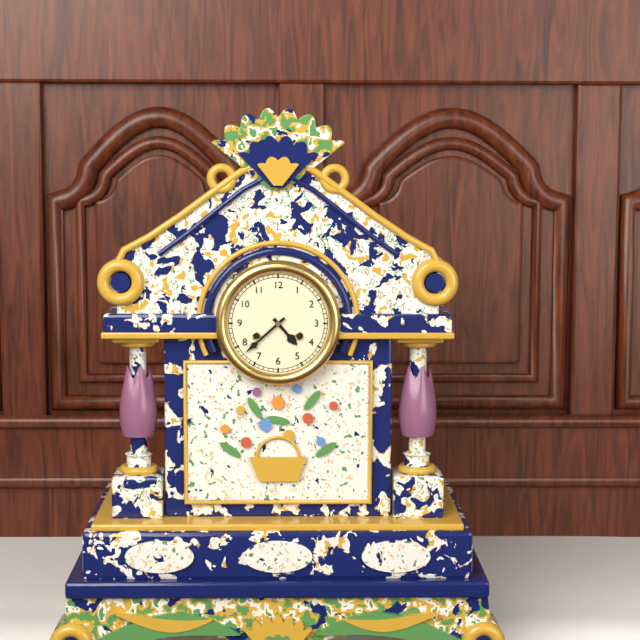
4h38
